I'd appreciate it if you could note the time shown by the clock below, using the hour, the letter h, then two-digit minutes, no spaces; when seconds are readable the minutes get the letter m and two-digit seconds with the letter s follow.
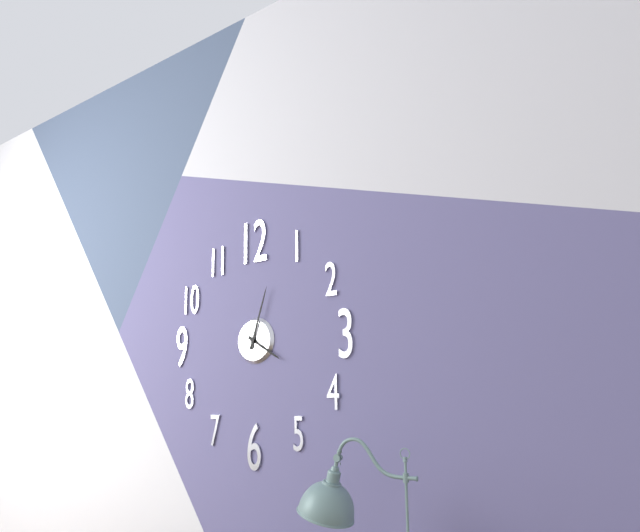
4h03
